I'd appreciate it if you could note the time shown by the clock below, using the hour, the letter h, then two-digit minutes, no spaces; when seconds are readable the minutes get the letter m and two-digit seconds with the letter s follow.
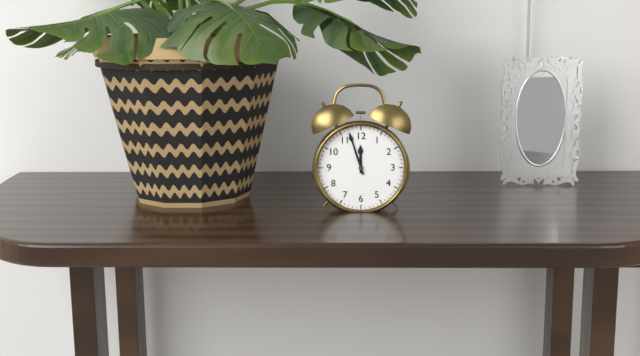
11h57
